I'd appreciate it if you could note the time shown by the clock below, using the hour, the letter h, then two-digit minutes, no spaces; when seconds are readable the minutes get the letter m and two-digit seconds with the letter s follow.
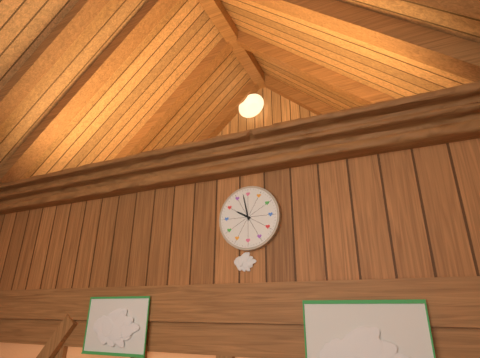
9h58
